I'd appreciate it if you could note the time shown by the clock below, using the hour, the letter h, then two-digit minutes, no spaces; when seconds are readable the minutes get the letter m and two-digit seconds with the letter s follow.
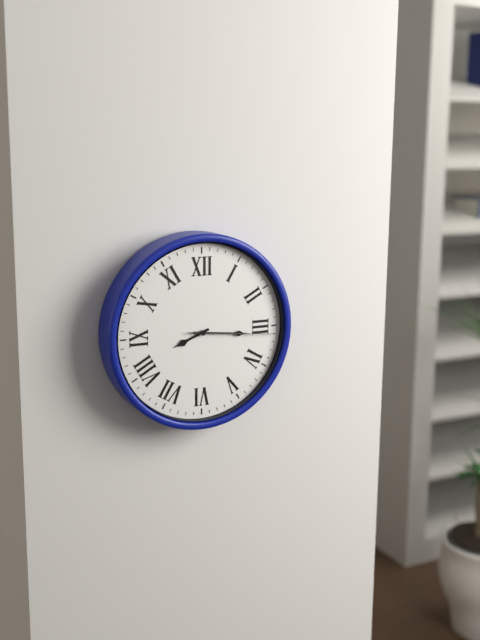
8h16m16s
